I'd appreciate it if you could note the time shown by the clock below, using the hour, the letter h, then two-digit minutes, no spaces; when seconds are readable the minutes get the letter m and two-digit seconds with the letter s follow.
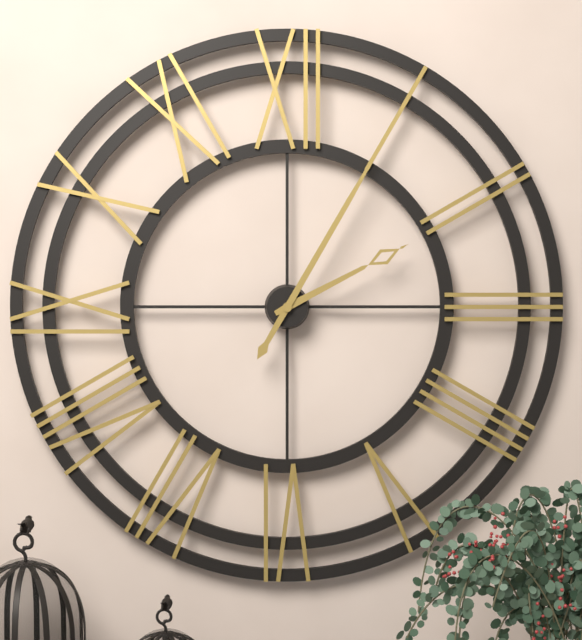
2h05
